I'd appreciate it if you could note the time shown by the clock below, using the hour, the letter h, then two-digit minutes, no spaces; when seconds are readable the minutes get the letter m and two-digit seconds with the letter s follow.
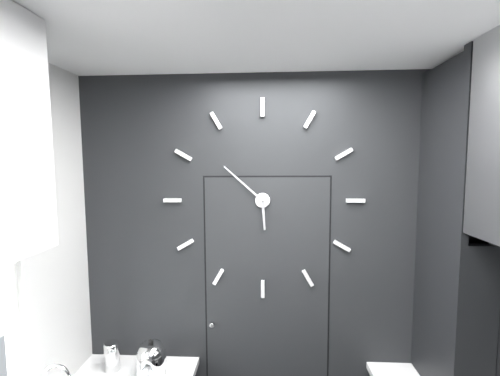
5h52
